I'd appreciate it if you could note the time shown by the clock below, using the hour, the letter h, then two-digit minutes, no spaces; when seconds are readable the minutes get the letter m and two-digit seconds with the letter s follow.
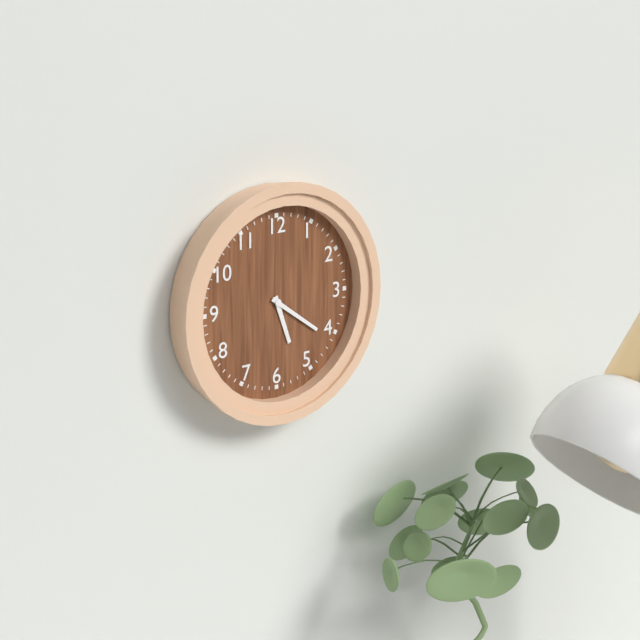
5h21
